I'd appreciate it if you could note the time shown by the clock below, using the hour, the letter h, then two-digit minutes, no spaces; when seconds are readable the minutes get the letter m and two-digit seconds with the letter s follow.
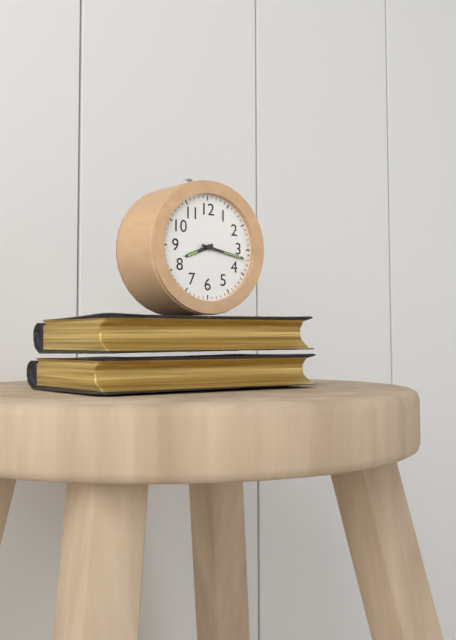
8h17
